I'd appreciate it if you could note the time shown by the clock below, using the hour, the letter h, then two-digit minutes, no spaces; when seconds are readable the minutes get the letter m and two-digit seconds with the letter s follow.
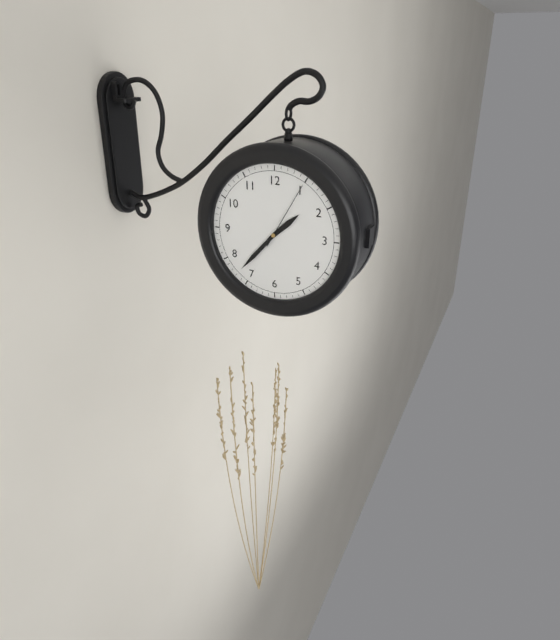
1h37m05s
